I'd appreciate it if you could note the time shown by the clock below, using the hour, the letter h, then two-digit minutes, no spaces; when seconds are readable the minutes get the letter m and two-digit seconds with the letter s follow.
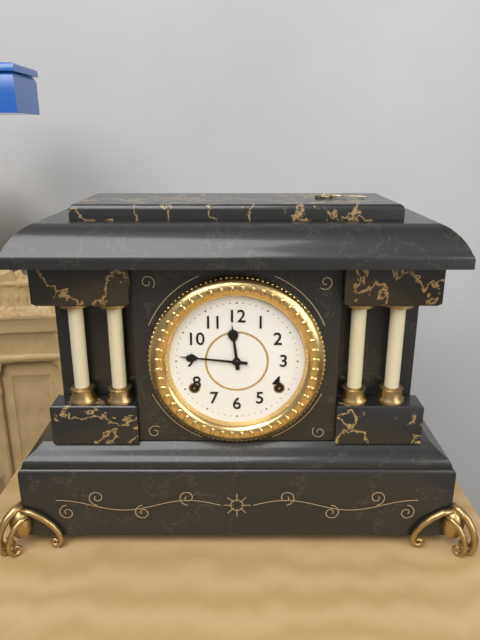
11h46
